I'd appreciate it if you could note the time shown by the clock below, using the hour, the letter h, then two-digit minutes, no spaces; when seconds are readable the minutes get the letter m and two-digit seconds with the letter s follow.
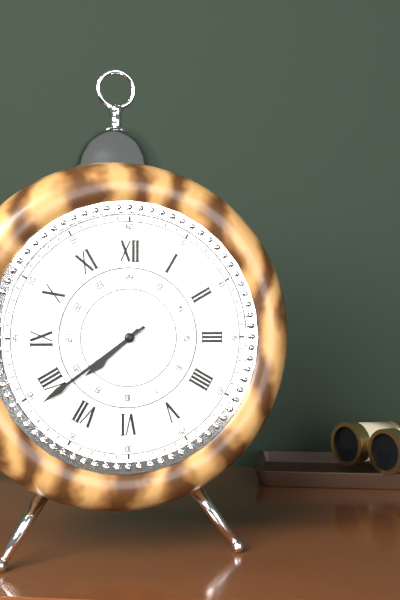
7h39
